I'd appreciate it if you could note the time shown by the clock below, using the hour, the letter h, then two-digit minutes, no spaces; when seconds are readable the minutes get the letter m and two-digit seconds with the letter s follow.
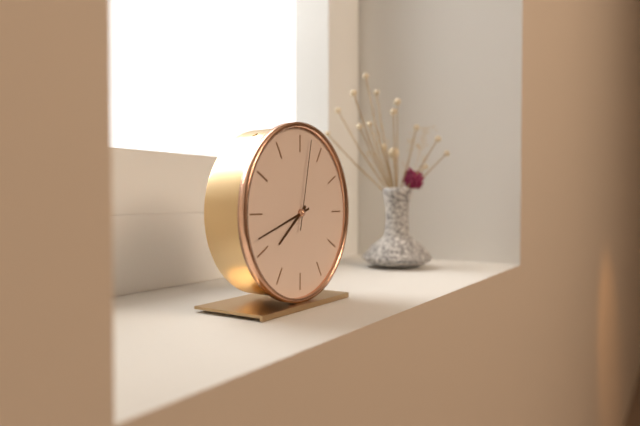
7h42m02s
